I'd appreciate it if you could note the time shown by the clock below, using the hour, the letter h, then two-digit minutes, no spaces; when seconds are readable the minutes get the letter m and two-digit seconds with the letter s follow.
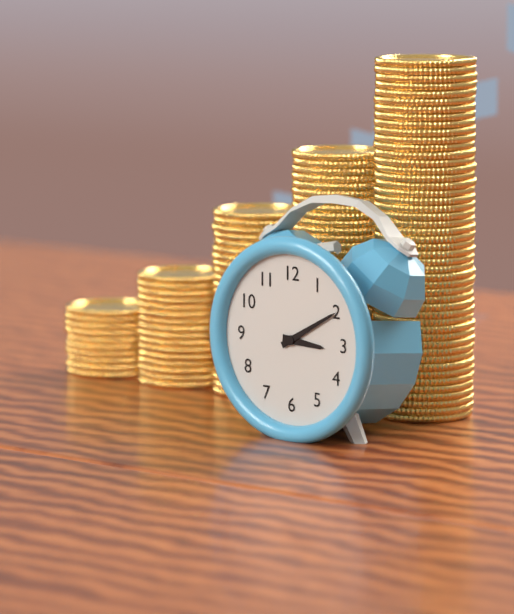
3h10
